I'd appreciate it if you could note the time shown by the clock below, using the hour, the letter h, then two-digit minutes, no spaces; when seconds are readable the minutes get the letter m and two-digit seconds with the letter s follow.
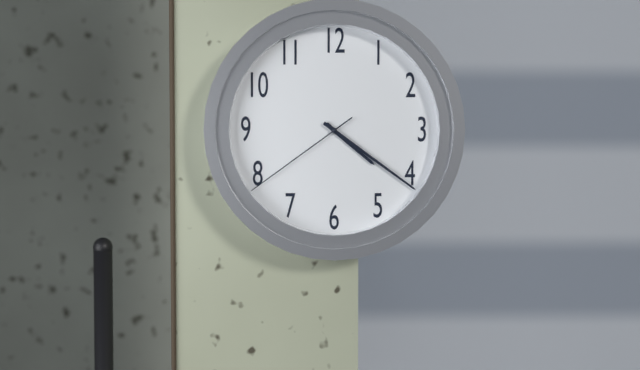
4h21m39s
